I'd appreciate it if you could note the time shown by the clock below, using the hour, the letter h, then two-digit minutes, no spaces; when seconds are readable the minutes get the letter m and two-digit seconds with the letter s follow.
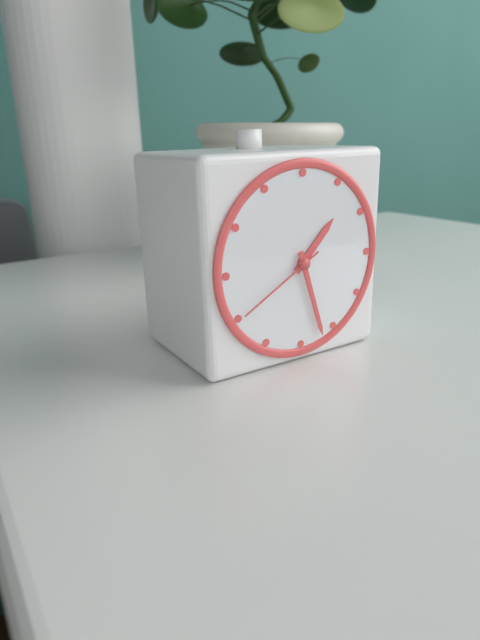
1h27m40s
